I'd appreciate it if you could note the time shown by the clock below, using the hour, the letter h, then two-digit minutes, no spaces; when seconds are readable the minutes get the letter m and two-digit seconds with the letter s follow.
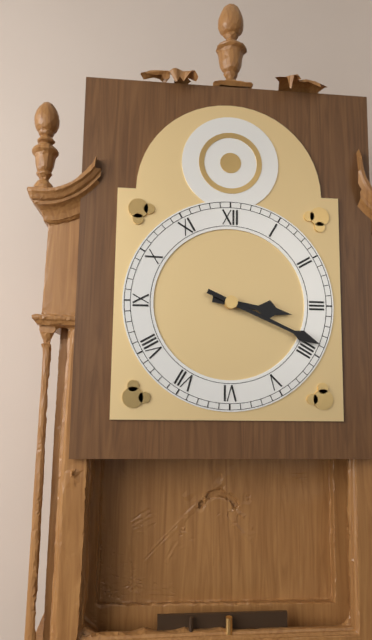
3h19
